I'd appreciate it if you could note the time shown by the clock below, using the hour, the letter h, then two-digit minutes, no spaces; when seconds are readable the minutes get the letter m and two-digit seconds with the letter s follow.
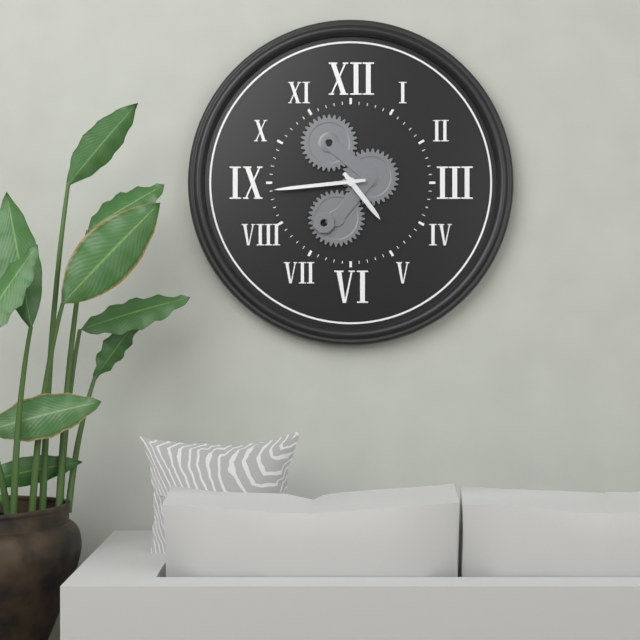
4h44
